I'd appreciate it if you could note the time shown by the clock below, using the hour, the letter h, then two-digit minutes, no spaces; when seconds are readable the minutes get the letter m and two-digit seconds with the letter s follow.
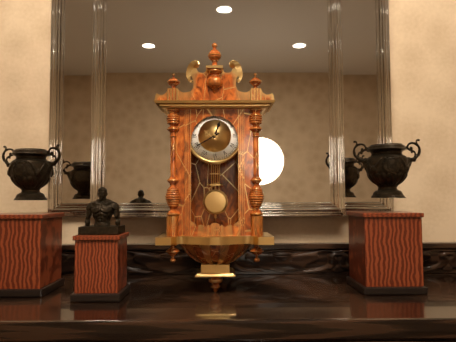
12h40
